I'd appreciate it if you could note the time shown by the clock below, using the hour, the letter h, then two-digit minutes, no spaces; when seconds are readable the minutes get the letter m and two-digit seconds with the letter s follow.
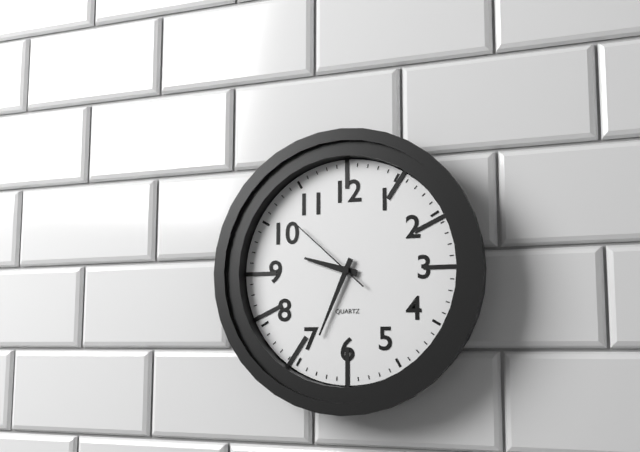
9h34m52s
